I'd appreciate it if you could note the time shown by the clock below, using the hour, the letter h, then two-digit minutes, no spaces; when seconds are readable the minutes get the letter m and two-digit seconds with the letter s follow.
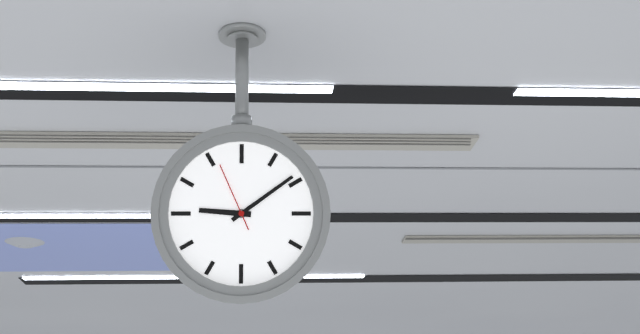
9h09m56s
